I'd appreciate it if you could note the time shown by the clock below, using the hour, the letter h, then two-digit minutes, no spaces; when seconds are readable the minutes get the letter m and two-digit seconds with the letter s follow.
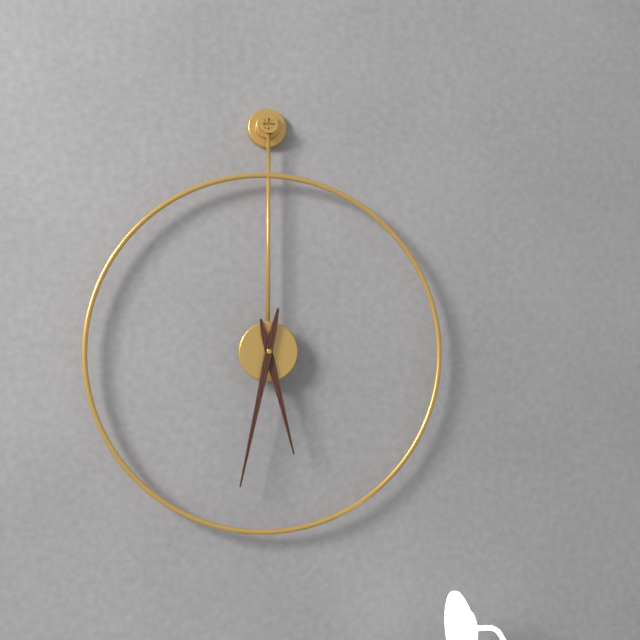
5h32
